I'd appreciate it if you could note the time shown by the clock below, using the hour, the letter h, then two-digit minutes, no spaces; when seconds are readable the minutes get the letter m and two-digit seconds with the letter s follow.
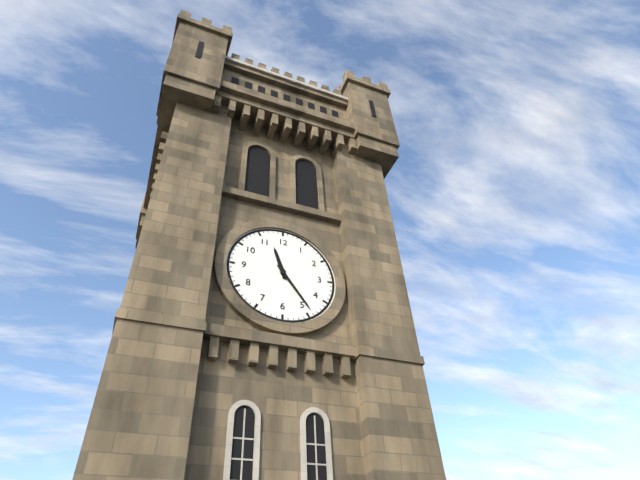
11h24
